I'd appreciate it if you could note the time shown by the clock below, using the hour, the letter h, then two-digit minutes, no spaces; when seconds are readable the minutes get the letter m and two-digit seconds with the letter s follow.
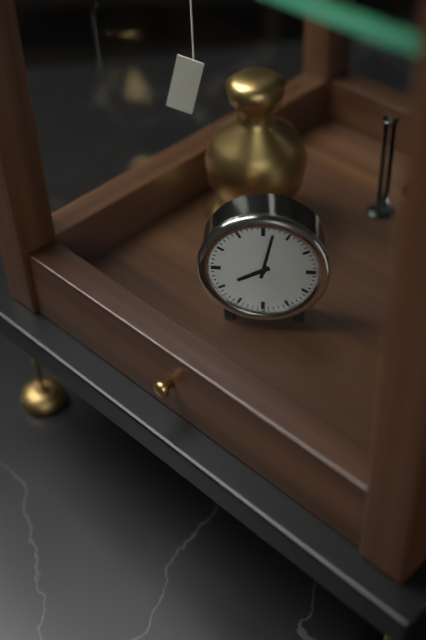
8h02
